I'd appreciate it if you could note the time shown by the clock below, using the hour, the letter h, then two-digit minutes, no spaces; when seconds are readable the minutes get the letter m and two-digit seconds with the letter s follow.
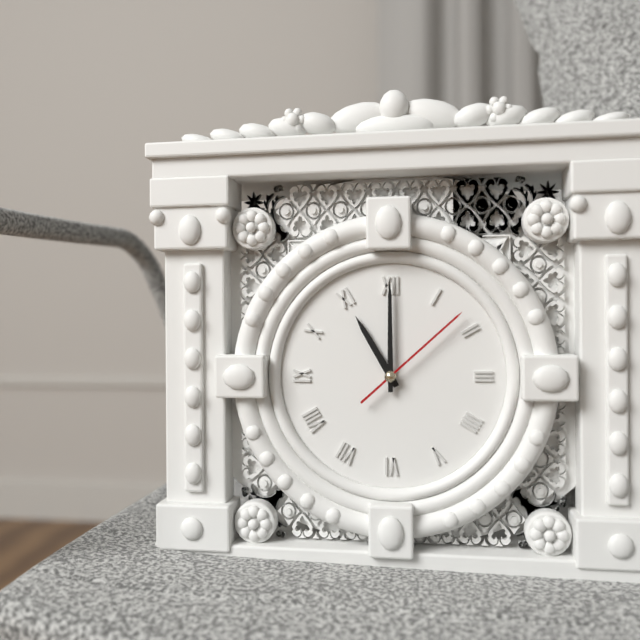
11h00m08s
